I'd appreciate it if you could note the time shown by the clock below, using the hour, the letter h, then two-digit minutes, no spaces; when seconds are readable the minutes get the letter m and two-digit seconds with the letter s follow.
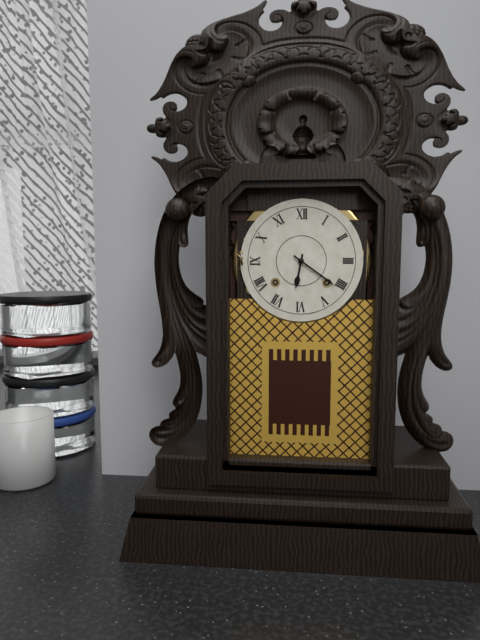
6h21
